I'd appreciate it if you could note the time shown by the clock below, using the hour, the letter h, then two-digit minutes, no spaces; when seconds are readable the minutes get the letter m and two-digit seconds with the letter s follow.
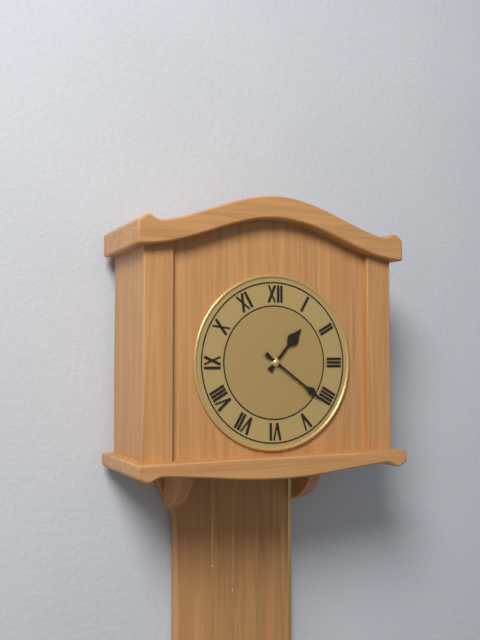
1h21
